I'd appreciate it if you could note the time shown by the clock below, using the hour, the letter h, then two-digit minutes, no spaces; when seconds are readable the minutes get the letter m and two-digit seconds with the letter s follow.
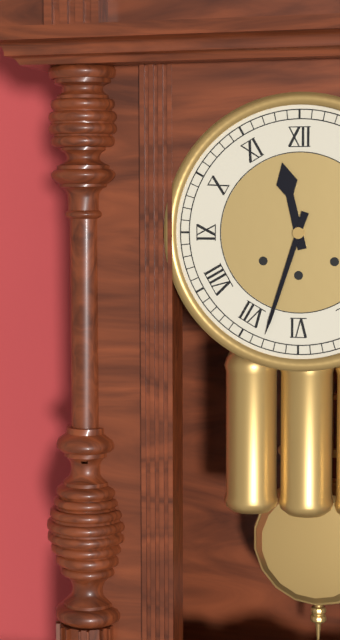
11h33
